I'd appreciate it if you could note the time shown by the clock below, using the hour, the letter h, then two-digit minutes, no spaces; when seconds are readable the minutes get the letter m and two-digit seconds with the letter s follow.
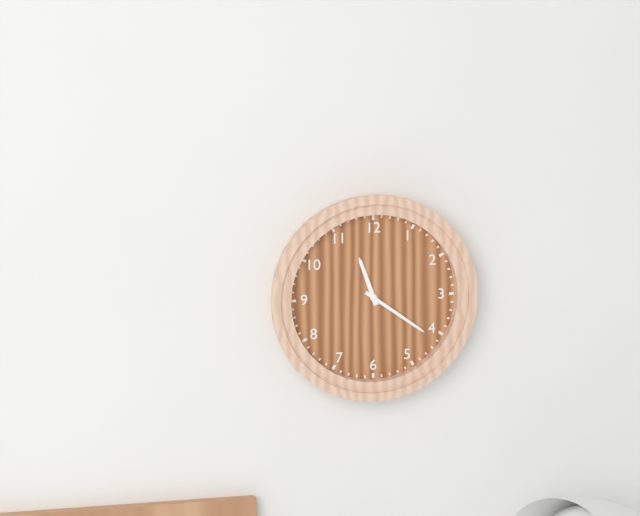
11h21
